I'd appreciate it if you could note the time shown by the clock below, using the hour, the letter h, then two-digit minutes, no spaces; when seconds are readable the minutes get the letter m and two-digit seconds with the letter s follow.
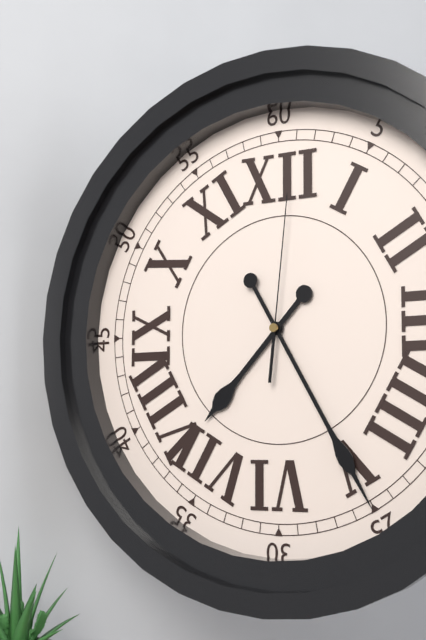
7h25m01s
